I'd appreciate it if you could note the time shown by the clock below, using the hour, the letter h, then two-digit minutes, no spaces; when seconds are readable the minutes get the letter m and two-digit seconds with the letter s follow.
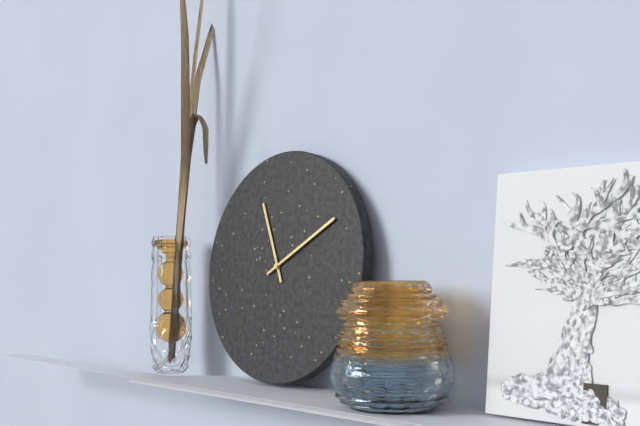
11h10
